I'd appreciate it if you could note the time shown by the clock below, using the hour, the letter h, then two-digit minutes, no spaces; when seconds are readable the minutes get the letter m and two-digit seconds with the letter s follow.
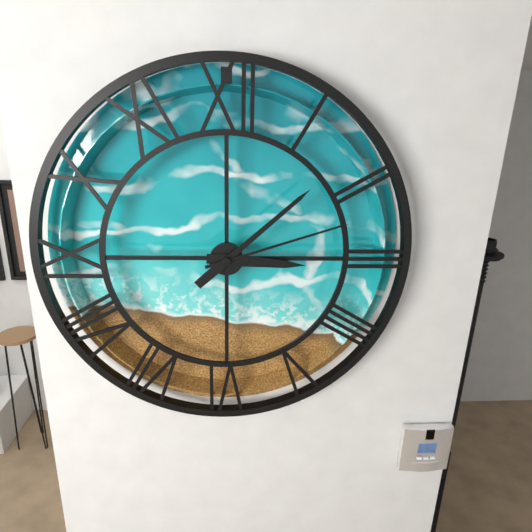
3h08m12s
